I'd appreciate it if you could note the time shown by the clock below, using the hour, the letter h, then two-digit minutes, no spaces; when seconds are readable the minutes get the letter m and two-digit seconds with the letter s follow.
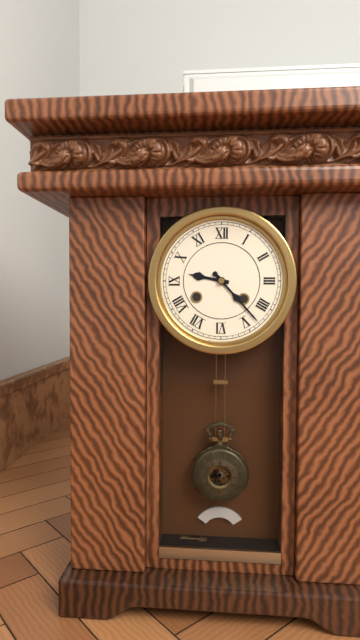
9h23
